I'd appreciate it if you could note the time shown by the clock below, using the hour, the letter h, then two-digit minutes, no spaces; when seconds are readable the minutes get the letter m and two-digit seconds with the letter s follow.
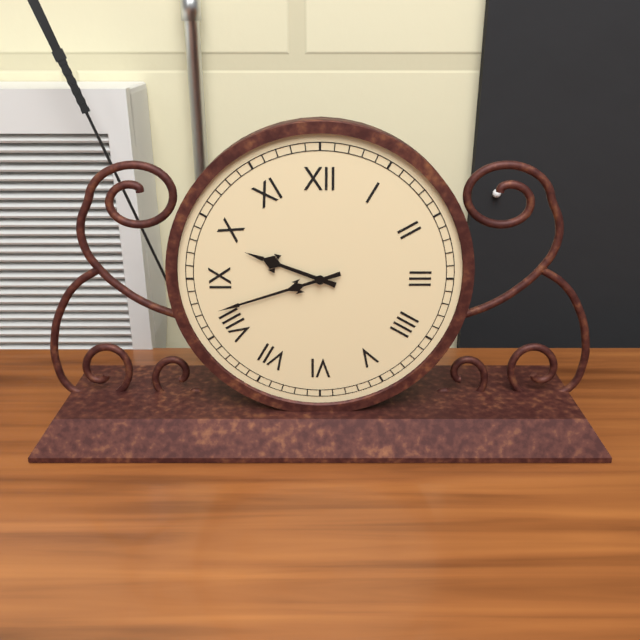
9h42
